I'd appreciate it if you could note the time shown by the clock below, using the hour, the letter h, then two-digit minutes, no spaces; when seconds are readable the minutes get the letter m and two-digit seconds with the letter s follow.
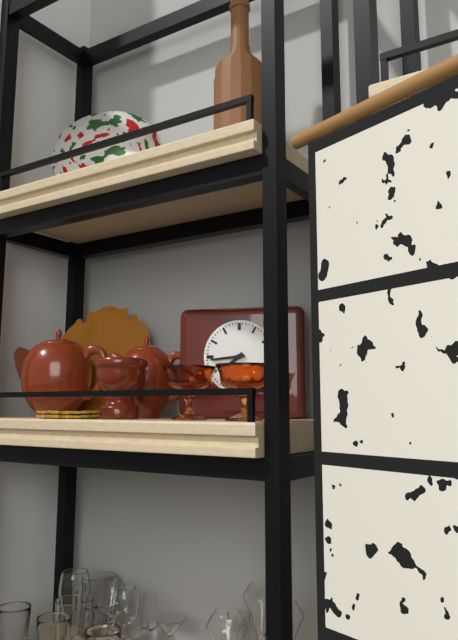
7h44
